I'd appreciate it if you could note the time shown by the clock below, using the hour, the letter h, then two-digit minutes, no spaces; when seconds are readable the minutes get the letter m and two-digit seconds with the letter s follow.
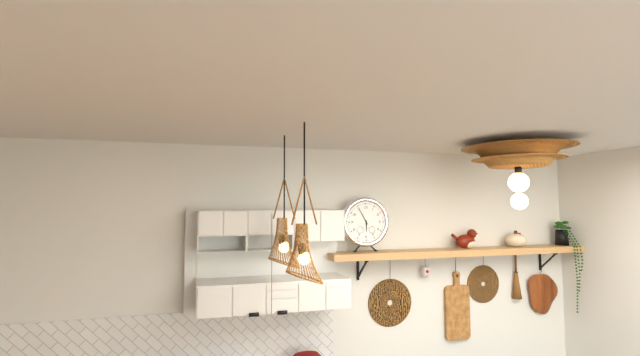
5h55
